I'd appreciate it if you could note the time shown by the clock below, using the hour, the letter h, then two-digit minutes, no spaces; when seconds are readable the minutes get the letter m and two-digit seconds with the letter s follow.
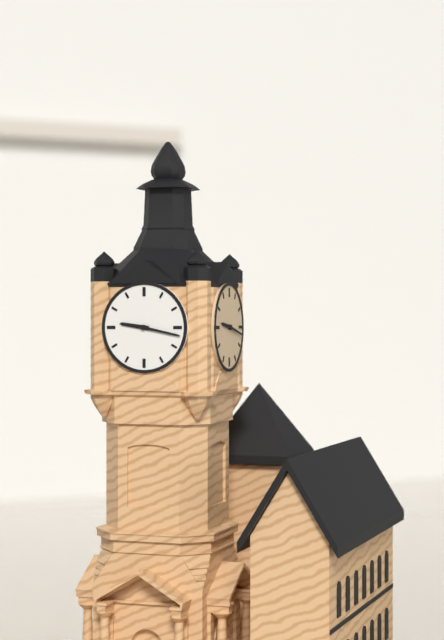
9h17
